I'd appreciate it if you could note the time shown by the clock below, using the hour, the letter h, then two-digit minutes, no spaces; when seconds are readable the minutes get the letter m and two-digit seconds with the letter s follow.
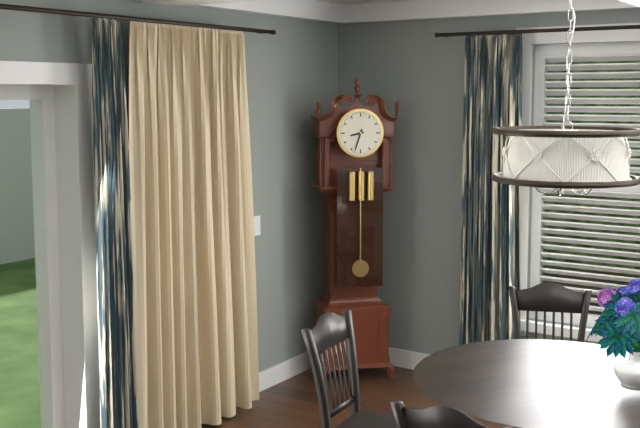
8h33
